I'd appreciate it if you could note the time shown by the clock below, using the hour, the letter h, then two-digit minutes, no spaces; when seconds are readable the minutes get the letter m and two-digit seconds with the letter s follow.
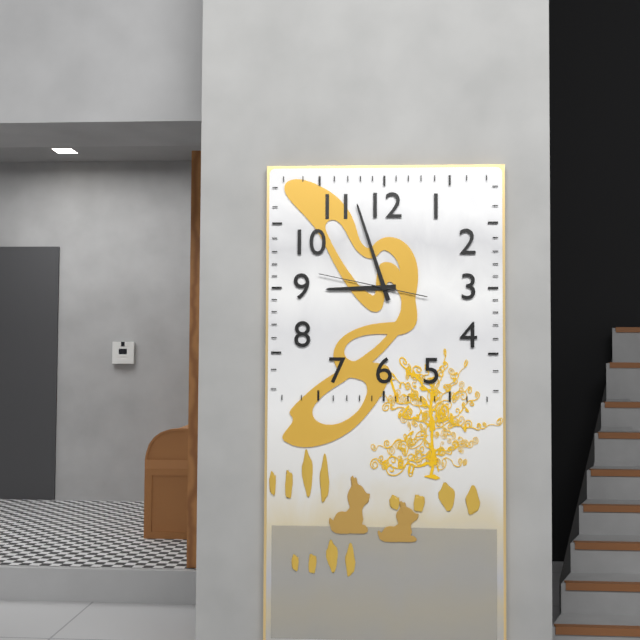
8h57m47s
